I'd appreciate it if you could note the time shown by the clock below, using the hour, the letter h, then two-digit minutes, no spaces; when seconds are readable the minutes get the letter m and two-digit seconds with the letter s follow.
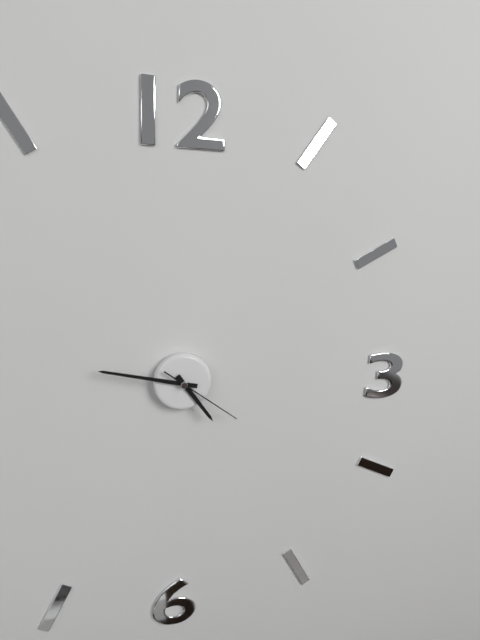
4h47m21s
